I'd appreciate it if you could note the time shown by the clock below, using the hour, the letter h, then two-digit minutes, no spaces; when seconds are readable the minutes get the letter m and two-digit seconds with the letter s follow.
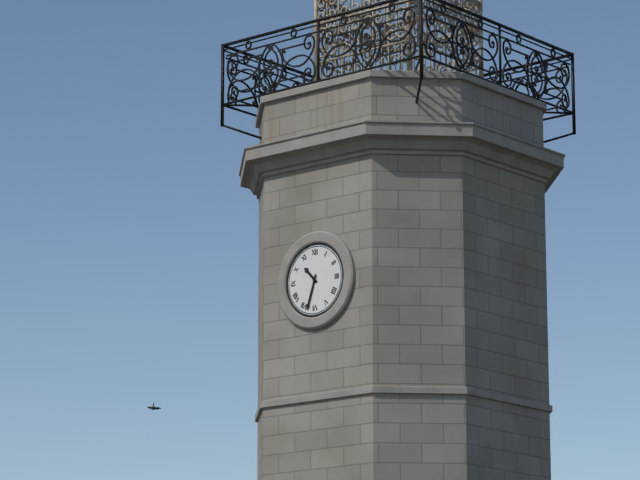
10h33
